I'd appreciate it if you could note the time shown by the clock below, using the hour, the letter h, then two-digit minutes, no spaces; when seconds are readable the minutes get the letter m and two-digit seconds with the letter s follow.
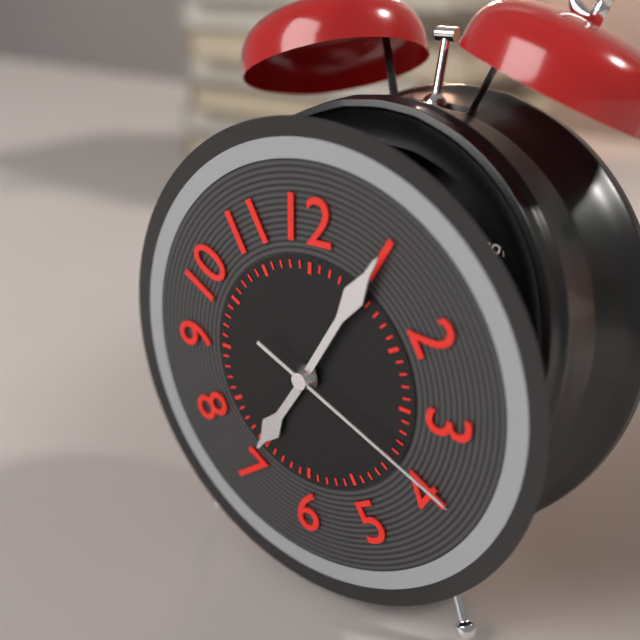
7h05m19s
